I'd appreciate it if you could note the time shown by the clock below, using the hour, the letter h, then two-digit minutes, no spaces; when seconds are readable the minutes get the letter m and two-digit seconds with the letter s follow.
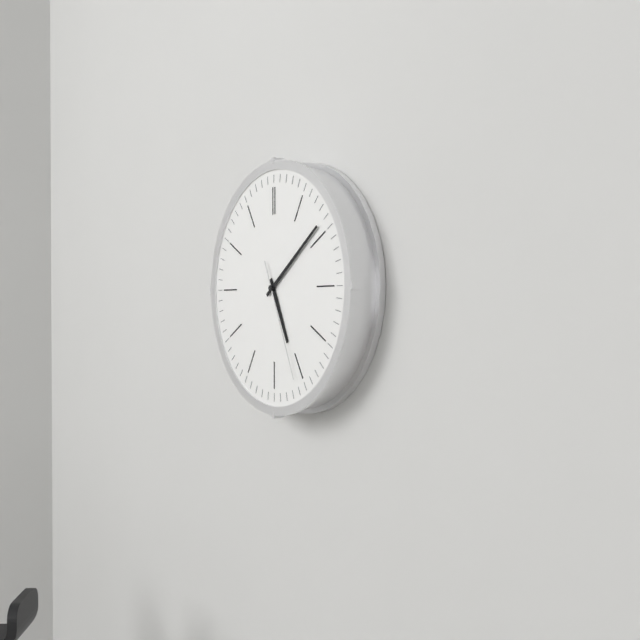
5h09m26s
